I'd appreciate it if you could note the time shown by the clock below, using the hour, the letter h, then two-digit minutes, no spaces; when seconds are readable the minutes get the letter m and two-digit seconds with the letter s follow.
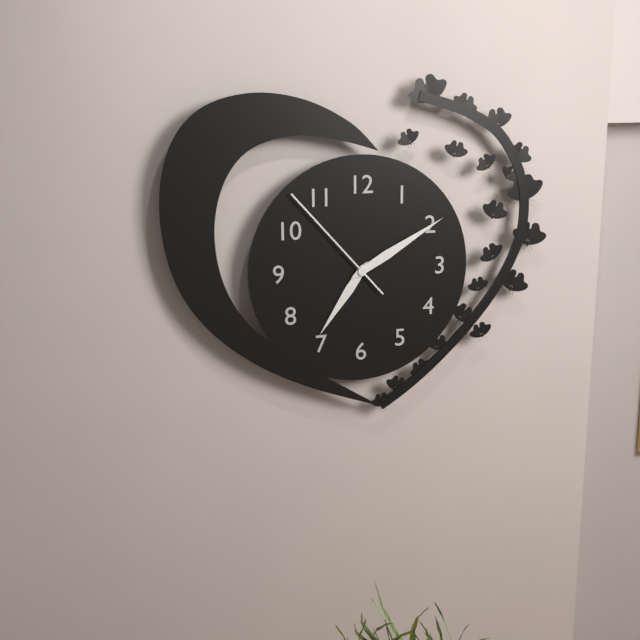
7h10m53s
